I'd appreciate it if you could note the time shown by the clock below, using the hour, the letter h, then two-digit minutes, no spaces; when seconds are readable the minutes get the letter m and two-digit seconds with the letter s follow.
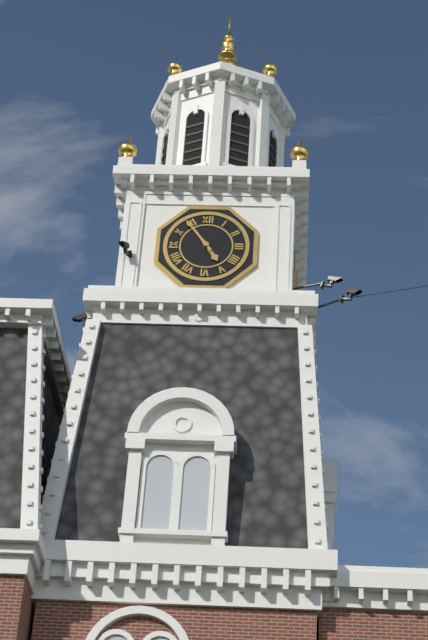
4h54
